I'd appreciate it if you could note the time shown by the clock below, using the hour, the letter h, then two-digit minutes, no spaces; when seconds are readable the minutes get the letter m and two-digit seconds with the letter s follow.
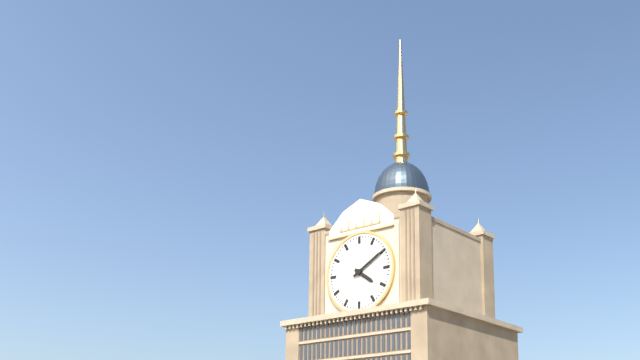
4h10
